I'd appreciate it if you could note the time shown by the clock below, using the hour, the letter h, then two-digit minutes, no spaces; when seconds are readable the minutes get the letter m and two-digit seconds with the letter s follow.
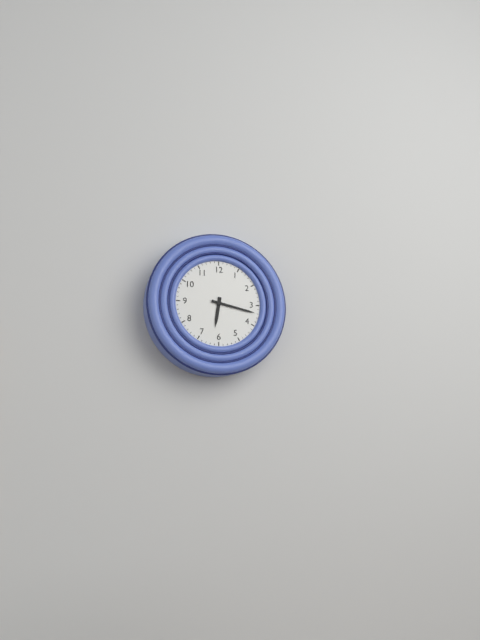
6h17
